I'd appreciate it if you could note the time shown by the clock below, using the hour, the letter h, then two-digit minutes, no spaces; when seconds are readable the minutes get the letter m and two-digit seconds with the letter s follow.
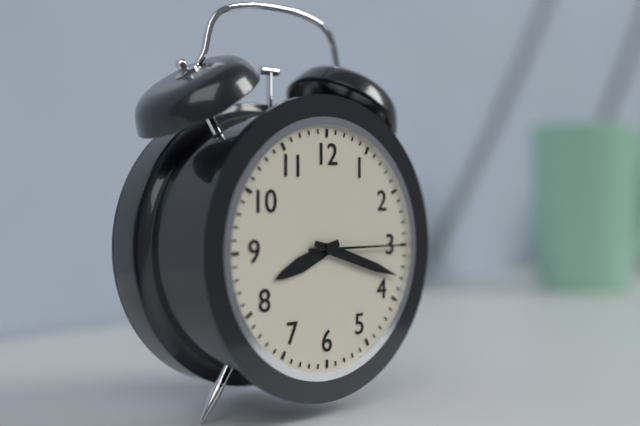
8h18m15s
